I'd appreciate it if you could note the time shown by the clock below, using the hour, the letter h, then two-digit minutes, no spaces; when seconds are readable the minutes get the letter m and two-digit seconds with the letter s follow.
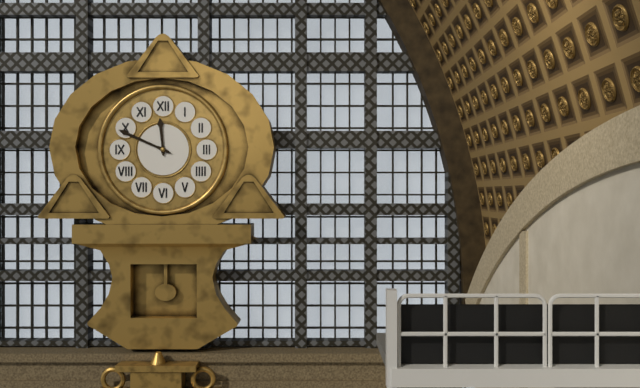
11h49
